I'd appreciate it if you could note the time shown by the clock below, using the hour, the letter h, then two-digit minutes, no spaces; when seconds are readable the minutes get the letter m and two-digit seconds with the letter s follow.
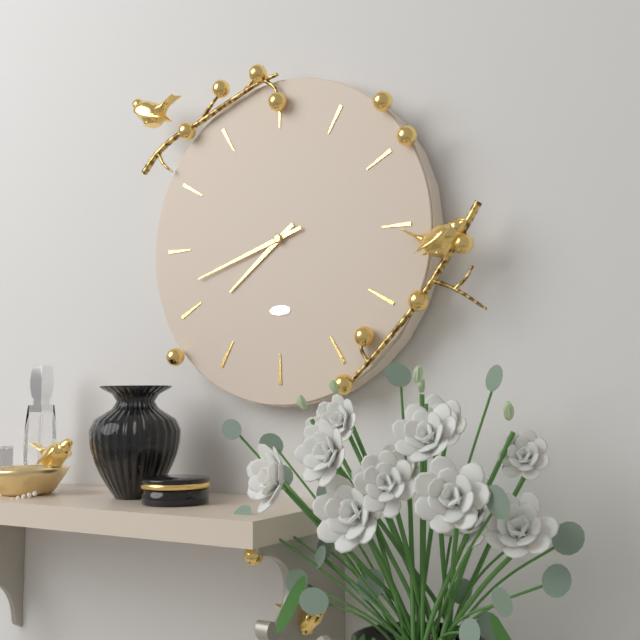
7h42
